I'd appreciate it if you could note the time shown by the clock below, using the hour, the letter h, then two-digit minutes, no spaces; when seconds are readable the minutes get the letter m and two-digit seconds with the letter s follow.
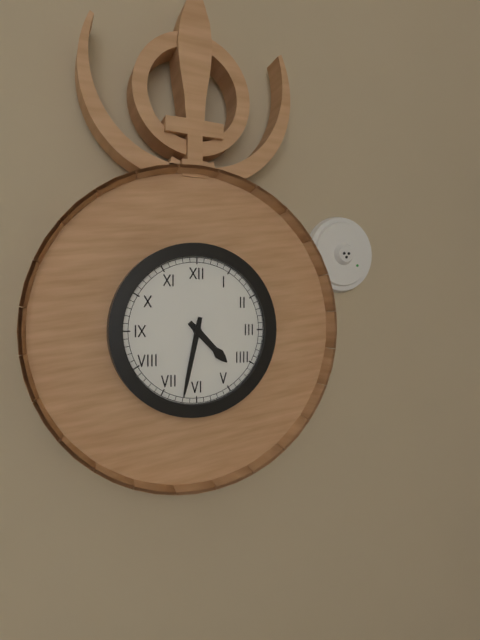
4h32
